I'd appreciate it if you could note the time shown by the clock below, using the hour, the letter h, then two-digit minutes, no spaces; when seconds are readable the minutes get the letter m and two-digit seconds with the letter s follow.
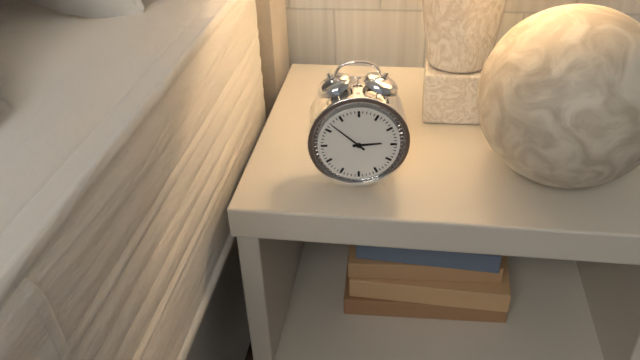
2h52
